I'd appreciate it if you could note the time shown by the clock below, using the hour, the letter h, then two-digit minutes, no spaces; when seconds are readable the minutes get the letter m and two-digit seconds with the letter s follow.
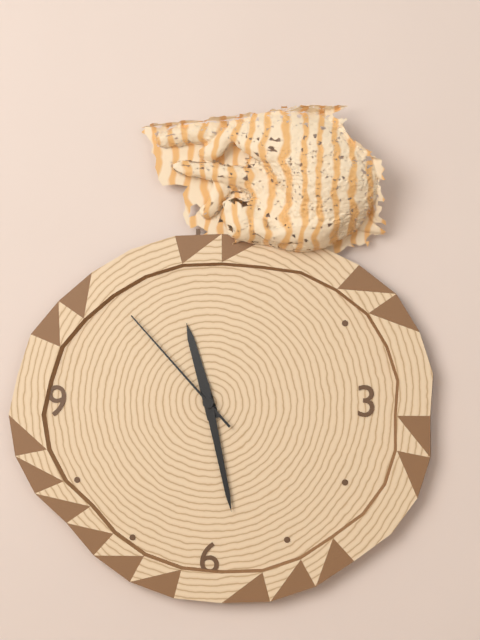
11h28m53s
